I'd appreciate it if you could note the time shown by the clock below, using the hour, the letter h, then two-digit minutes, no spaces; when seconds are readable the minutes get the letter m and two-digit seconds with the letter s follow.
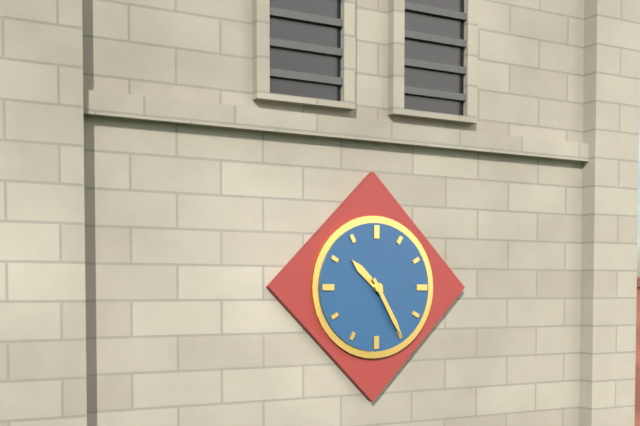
10h25
